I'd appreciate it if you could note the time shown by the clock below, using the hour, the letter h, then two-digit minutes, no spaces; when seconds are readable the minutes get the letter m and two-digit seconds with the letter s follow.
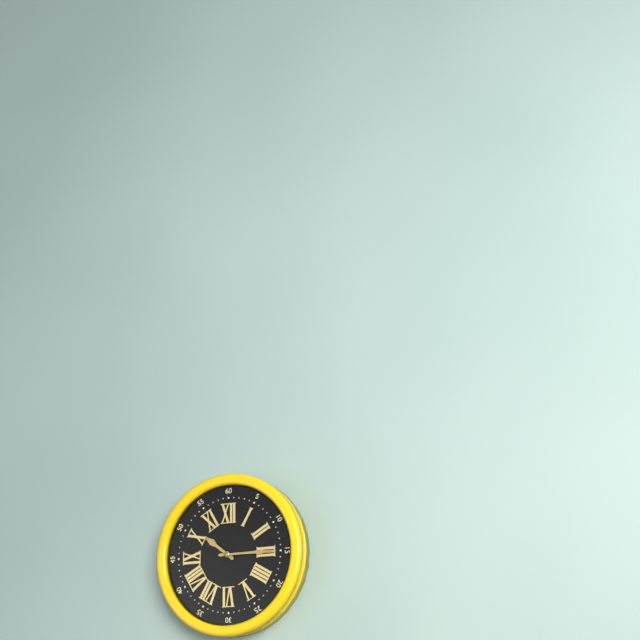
10h15
